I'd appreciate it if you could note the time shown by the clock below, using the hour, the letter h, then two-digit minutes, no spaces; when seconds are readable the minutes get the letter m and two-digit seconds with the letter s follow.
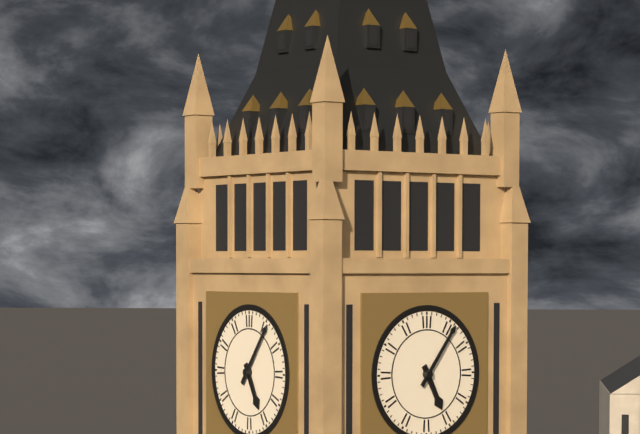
5h06
